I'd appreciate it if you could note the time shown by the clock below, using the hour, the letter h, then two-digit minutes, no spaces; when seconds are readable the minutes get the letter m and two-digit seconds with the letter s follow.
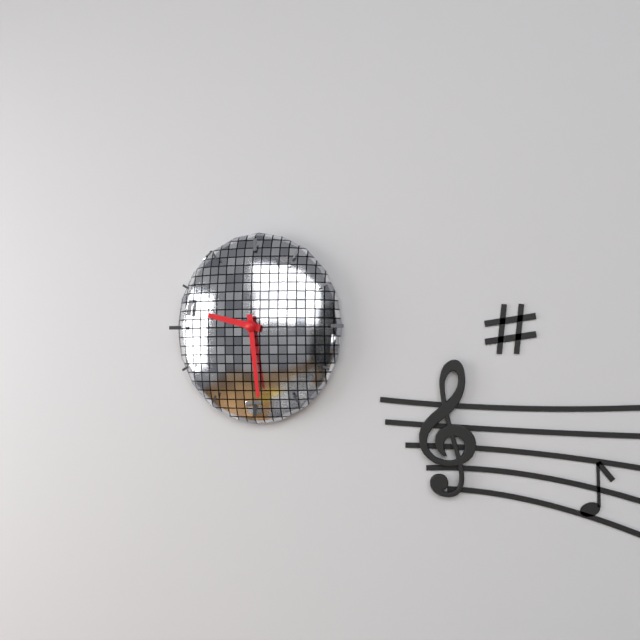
9h29
